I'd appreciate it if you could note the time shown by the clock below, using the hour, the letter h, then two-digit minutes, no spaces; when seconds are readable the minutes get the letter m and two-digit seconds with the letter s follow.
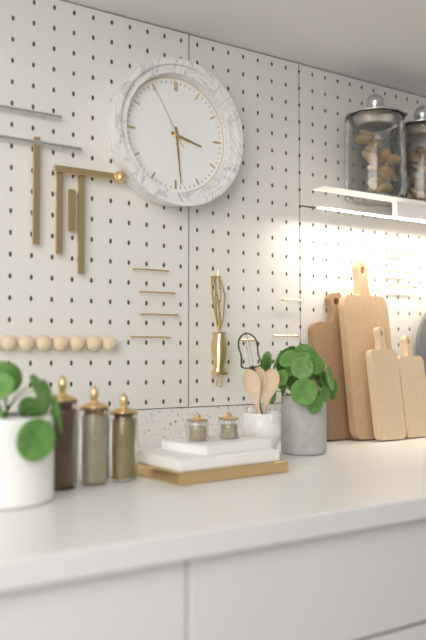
3h29m55s
